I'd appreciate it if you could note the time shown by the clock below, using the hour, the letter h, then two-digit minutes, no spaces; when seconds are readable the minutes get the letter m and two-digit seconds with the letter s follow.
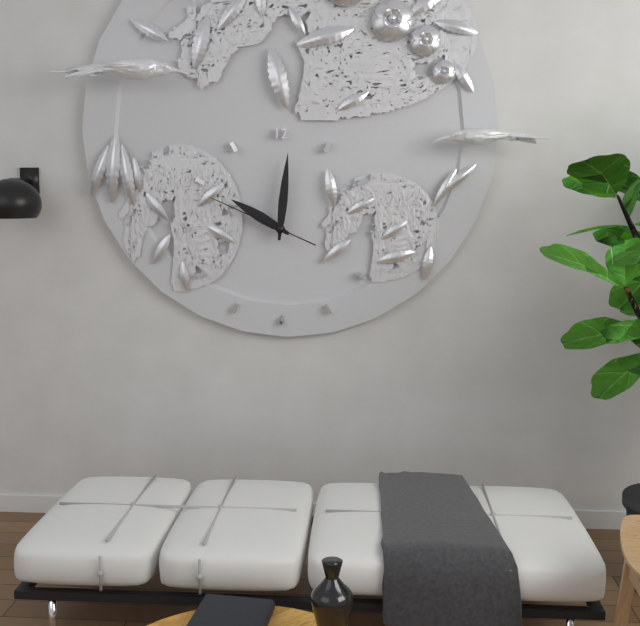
10h01m49s
